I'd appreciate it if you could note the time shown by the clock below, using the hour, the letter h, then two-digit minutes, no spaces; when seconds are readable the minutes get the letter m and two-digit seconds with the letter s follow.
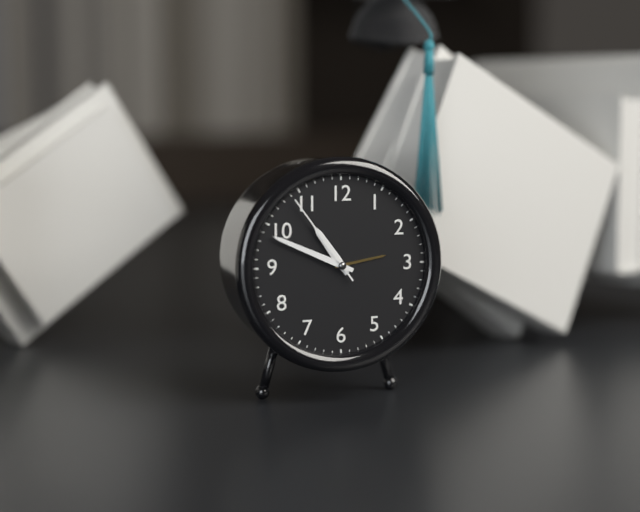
10h49m54s
